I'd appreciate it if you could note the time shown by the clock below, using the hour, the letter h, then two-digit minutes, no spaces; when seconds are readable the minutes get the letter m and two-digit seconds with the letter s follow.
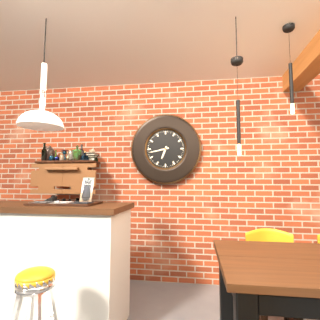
6h43
